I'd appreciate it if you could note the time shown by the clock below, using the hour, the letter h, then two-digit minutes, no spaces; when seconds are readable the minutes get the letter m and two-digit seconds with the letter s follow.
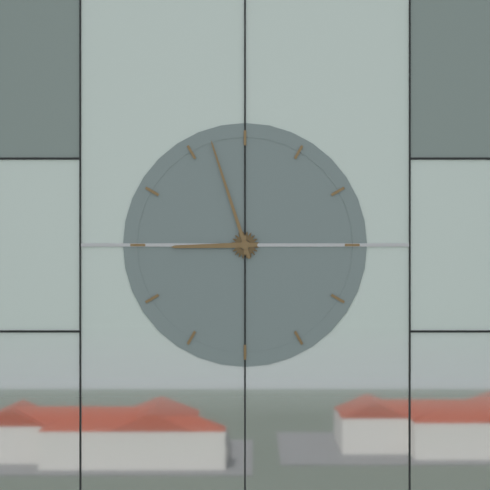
8h57
